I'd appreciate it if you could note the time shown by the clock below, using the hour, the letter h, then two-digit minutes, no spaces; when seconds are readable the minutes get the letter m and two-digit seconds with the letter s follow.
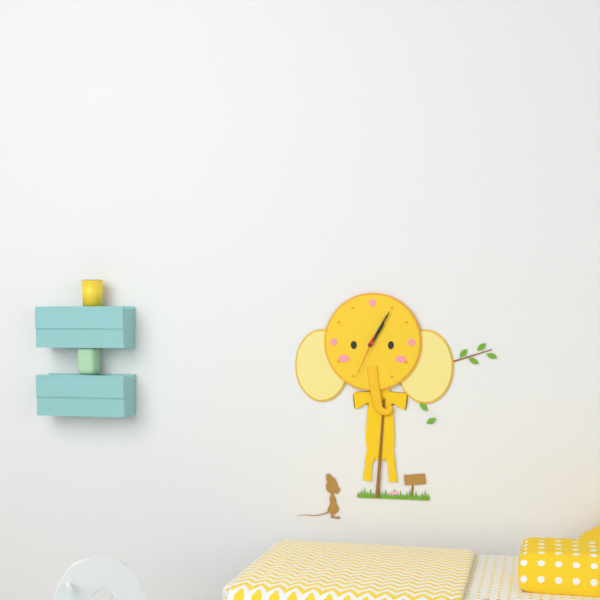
1h05
